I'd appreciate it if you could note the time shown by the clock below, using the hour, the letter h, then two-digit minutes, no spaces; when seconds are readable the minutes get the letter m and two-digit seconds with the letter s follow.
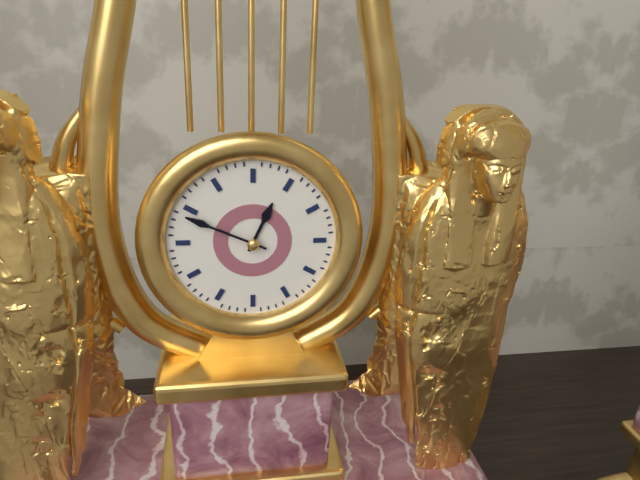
12h49
